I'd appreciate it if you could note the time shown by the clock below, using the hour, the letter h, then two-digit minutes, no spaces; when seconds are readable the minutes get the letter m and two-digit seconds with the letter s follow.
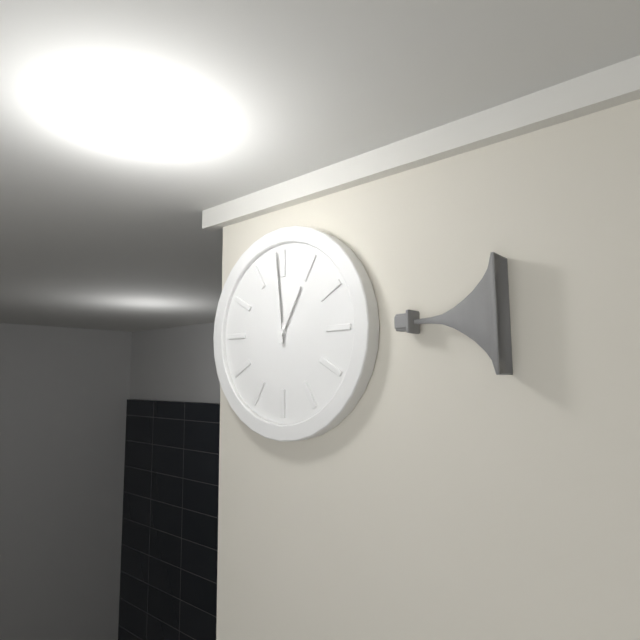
12h59
